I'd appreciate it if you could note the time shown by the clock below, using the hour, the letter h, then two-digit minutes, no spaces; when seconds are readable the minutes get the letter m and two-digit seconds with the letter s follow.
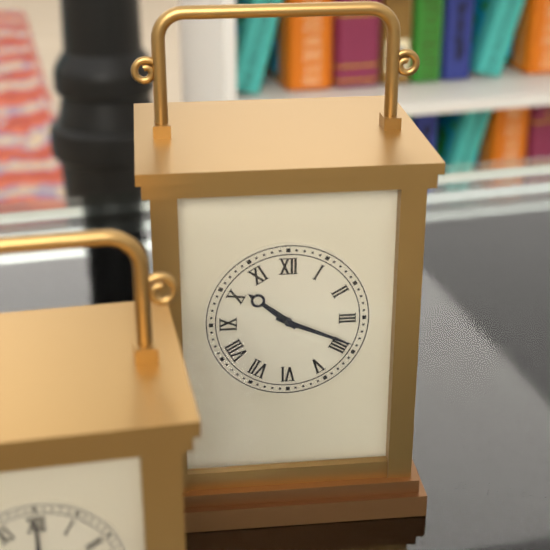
10h19
